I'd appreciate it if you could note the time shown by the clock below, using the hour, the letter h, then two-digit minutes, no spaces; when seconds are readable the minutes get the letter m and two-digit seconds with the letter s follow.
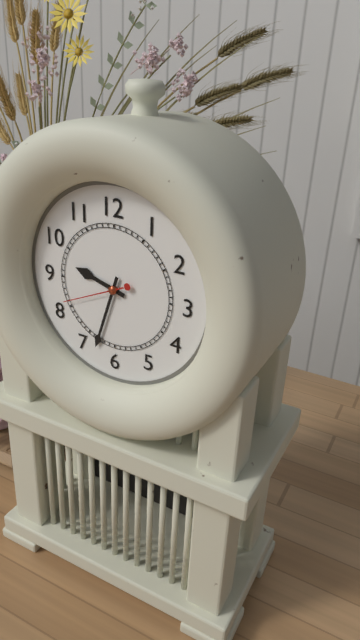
9h33m41s
